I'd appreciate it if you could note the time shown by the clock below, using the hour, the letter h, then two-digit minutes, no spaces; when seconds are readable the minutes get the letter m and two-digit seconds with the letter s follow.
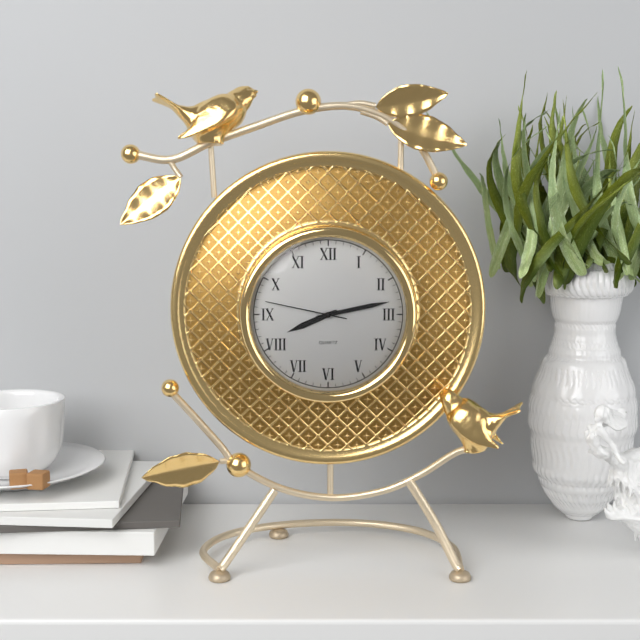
8h13m47s
